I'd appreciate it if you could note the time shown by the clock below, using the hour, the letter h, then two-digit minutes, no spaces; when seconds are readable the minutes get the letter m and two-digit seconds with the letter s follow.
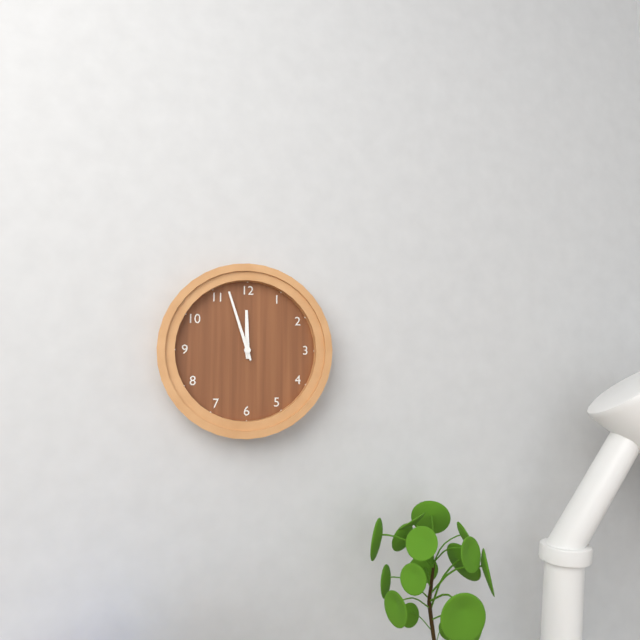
11h57
